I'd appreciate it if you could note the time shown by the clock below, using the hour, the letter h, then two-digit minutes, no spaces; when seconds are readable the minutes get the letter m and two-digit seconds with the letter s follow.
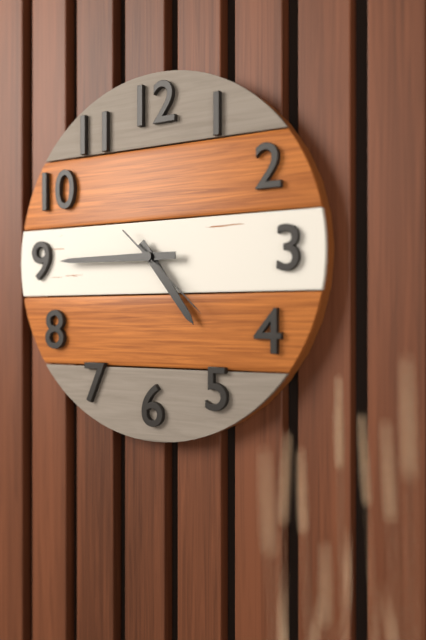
4h45m22s
